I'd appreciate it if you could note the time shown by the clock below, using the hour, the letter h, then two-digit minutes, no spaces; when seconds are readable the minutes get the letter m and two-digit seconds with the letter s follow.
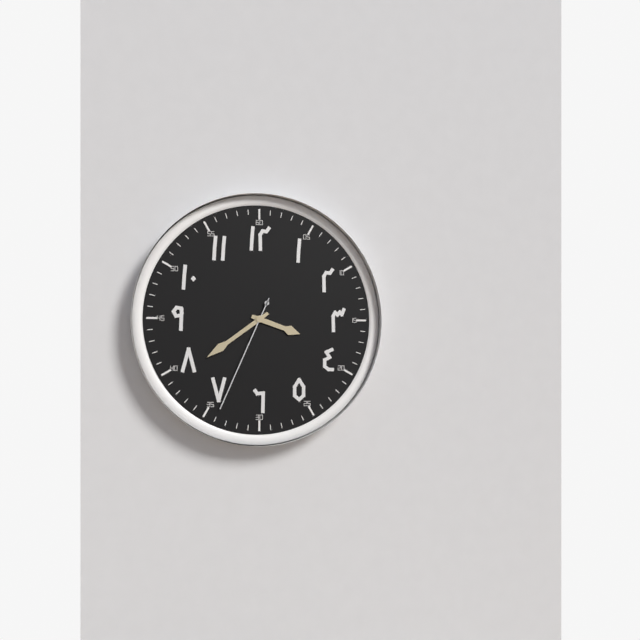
3h39m34s
